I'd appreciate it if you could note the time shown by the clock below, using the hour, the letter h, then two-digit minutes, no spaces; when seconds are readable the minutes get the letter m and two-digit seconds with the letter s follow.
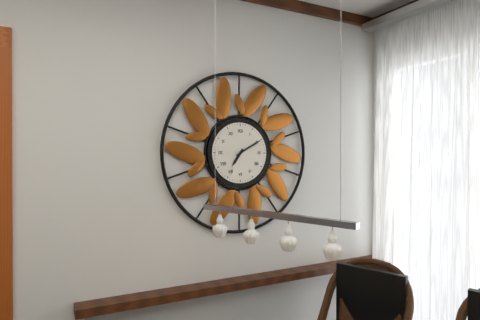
7h10
